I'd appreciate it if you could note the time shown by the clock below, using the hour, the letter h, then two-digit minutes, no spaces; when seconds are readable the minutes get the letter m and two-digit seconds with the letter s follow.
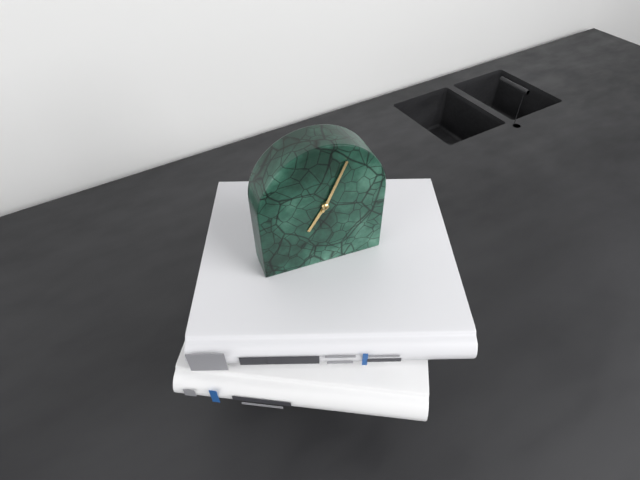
7h04
